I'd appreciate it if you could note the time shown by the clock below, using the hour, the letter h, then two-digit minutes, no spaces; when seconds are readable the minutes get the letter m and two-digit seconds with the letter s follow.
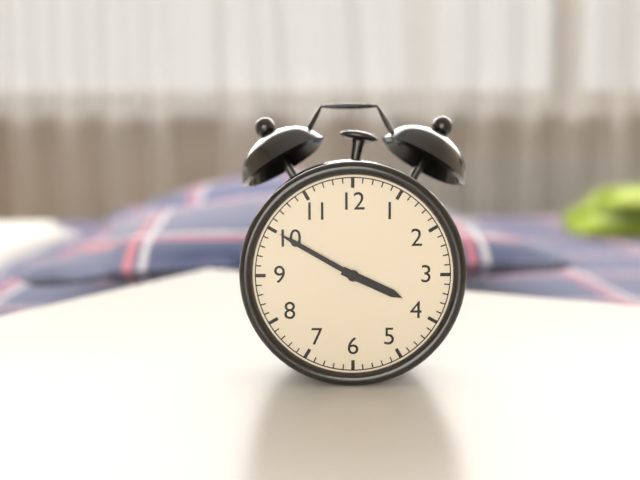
3h50
